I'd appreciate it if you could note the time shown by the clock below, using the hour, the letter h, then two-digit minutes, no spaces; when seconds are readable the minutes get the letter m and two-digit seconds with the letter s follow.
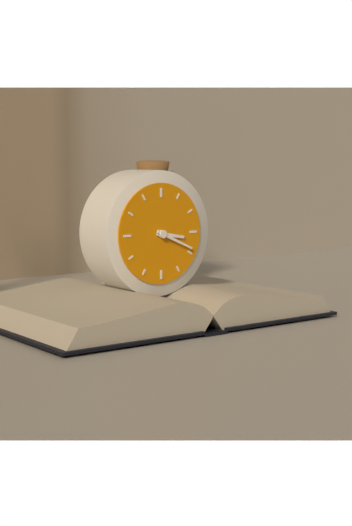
3h19
